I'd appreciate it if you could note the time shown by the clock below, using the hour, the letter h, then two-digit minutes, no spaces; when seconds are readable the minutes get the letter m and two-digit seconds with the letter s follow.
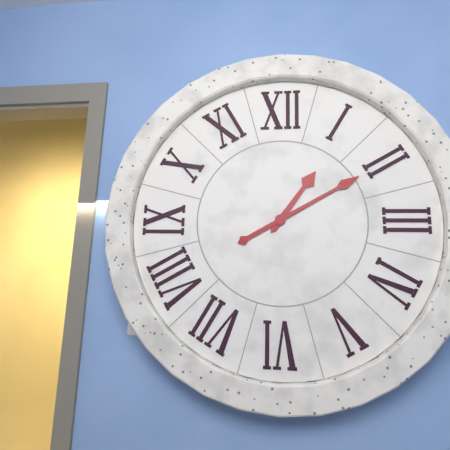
1h10
